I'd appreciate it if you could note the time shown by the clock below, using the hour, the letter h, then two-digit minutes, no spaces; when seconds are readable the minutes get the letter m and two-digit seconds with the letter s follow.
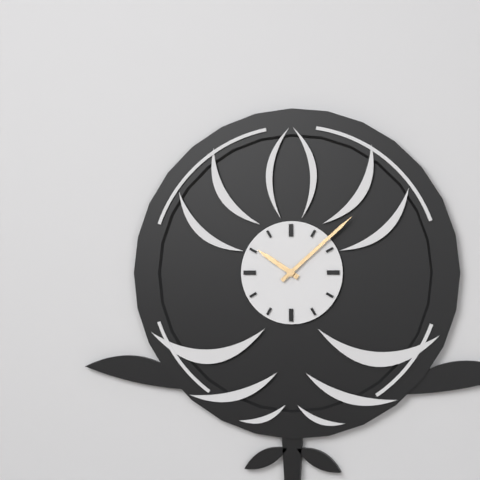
10h08
